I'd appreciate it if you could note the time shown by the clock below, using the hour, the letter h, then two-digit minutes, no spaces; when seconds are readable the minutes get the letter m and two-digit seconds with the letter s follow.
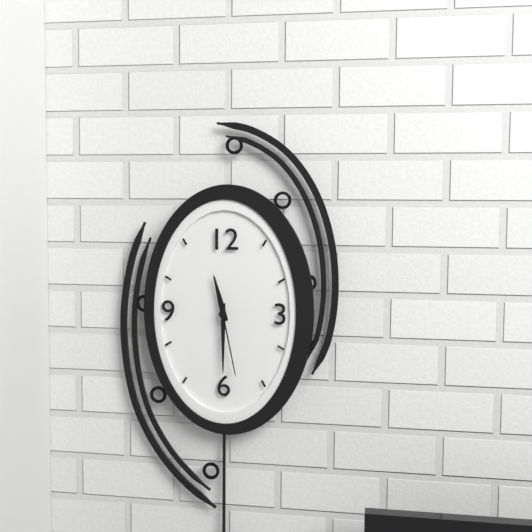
11h30m28s
